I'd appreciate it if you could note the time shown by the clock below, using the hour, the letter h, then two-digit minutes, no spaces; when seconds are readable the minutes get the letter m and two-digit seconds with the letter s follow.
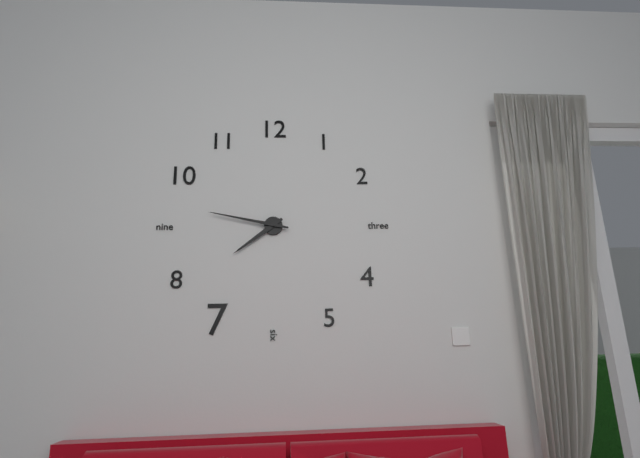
7h47
